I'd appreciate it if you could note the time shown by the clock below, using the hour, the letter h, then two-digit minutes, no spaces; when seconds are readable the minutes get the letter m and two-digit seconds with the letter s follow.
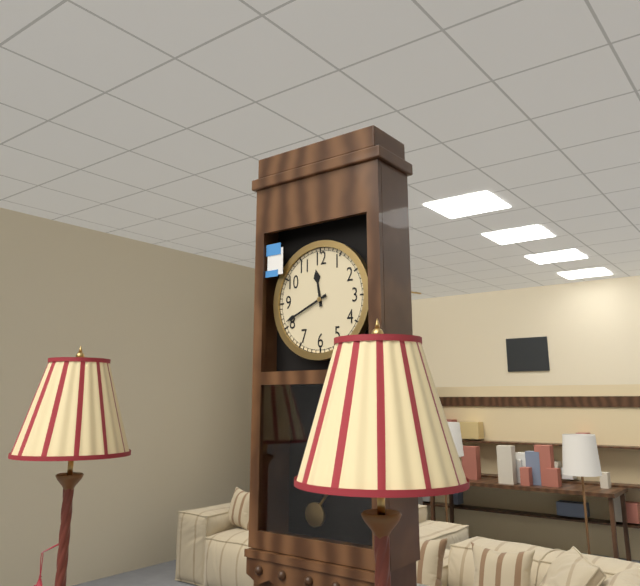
11h41
